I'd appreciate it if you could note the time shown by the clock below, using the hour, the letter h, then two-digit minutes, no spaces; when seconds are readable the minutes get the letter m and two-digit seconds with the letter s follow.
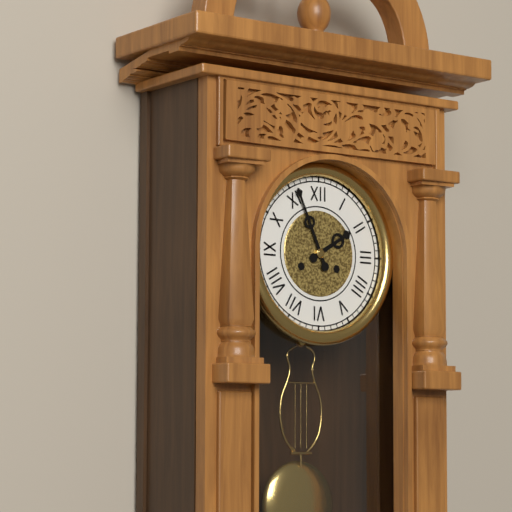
1h56
